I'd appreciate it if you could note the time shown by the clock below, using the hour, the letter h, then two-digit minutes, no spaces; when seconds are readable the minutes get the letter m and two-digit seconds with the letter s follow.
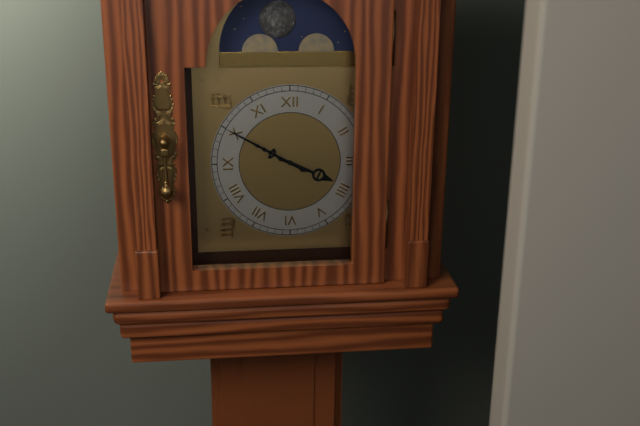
3h50
